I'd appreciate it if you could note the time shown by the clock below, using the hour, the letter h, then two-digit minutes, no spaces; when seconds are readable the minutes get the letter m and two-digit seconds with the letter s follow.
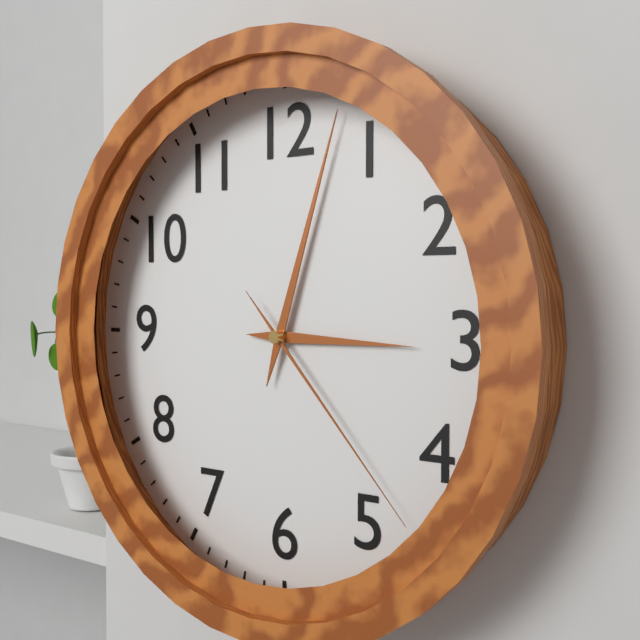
3h03m23s
